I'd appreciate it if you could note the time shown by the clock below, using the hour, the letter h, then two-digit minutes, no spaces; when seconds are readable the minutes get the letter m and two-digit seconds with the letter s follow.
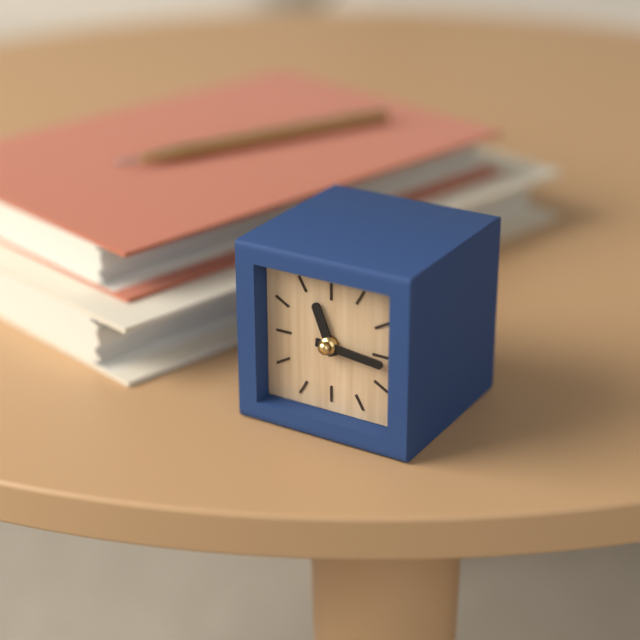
11h16
